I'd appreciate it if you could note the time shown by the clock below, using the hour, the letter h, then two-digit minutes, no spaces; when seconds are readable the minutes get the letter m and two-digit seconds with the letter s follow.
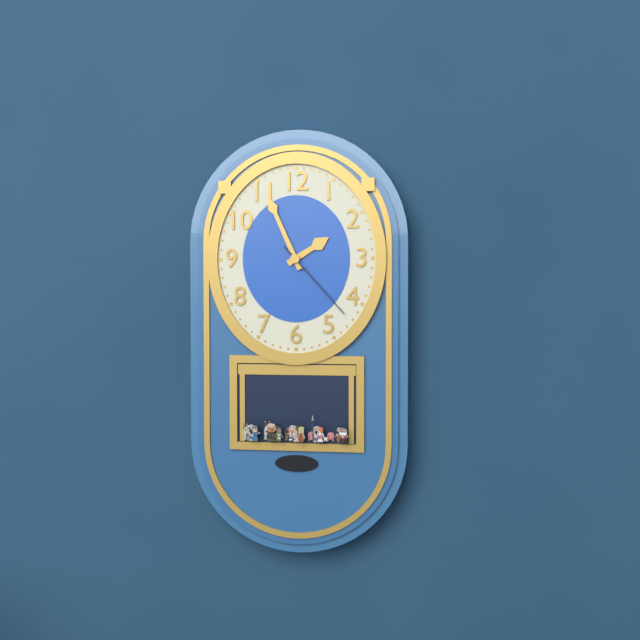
1h56m23s
